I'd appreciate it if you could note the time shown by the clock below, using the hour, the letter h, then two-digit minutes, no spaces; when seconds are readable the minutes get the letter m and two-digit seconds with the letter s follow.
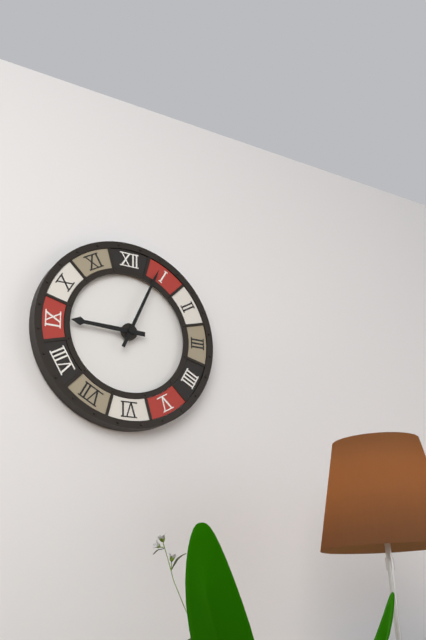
9h04
